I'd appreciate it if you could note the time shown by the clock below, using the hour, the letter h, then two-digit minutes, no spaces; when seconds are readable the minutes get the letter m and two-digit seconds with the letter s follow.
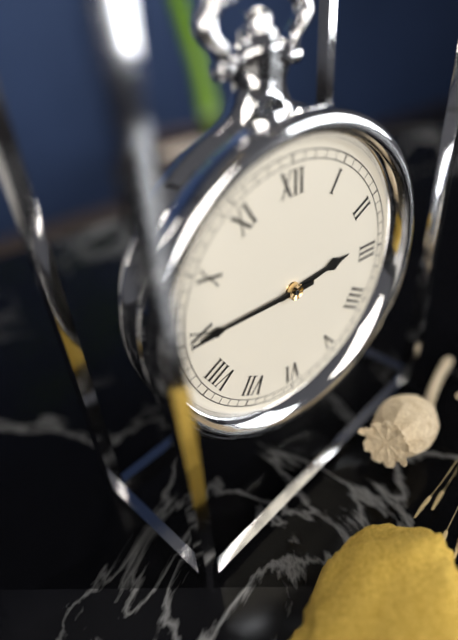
2h45
